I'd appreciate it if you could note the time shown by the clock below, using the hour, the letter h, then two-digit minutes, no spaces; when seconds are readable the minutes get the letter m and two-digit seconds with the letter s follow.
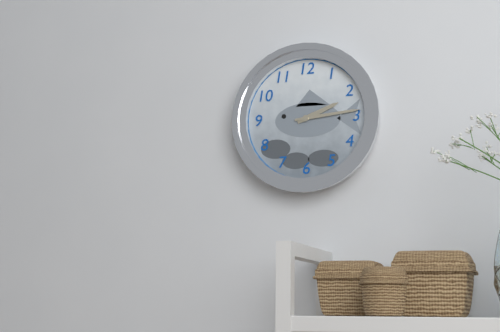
2h14
